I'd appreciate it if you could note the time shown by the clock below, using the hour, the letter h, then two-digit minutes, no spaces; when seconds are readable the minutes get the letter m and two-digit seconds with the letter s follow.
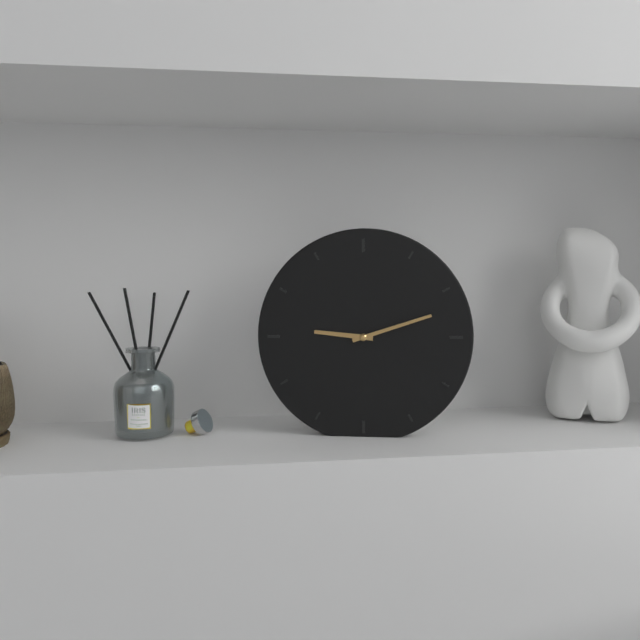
9h12
